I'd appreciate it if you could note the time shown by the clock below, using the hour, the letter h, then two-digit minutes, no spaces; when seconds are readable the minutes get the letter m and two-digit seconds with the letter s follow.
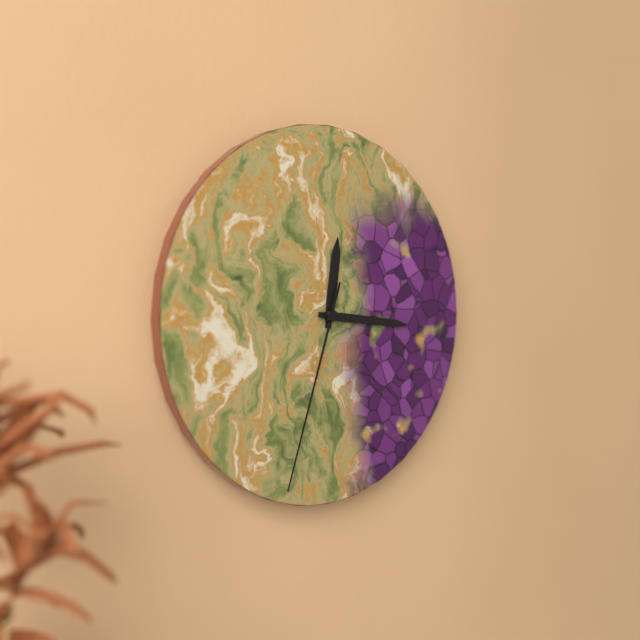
12h16m33s
